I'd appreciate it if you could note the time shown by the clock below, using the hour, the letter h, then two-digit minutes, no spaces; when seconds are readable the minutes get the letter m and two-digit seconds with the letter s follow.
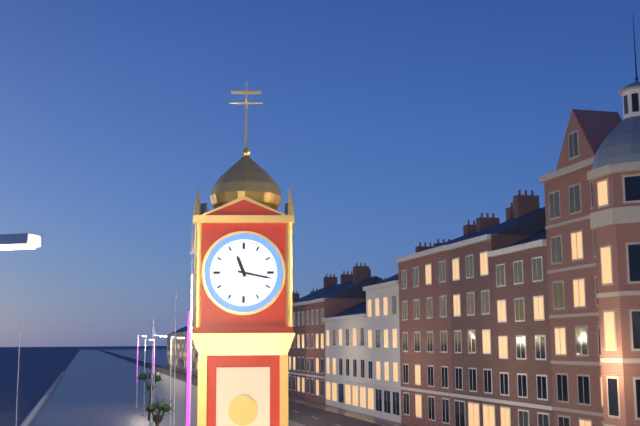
11h17
